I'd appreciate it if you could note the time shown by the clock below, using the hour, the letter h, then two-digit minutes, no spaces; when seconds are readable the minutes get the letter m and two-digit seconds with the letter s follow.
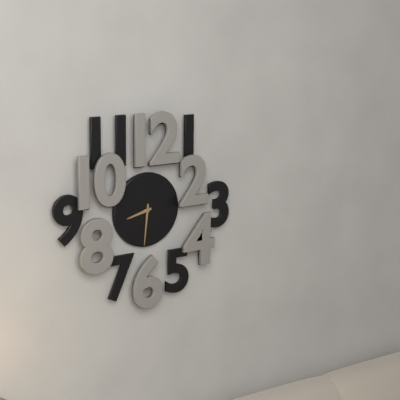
8h31
